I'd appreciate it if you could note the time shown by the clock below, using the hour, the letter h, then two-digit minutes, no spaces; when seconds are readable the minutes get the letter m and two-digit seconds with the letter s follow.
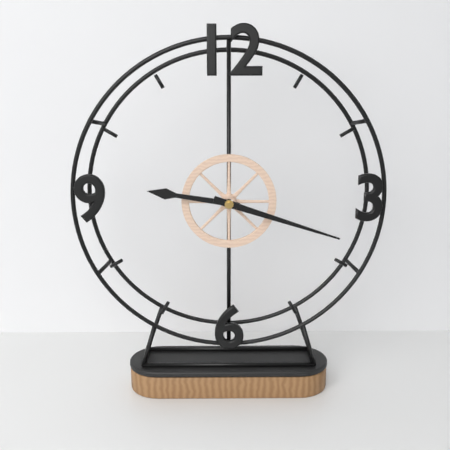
9h18
